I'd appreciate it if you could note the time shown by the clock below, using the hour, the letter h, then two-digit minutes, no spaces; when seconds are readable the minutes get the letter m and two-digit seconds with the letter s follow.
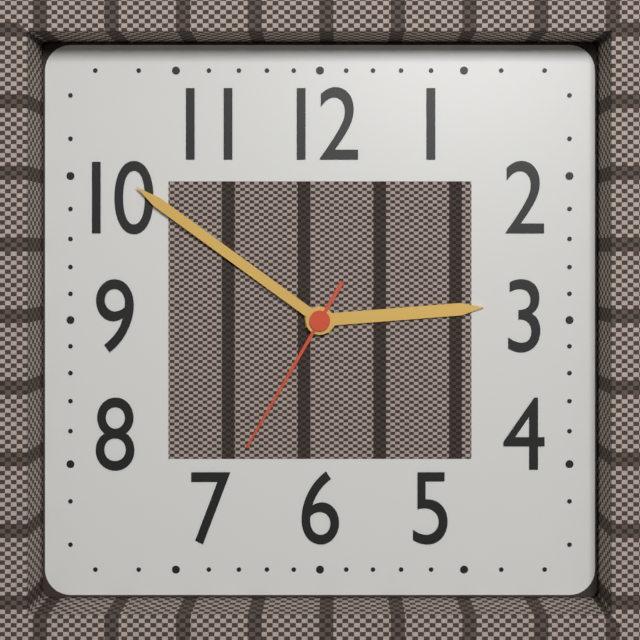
2h51m35s
